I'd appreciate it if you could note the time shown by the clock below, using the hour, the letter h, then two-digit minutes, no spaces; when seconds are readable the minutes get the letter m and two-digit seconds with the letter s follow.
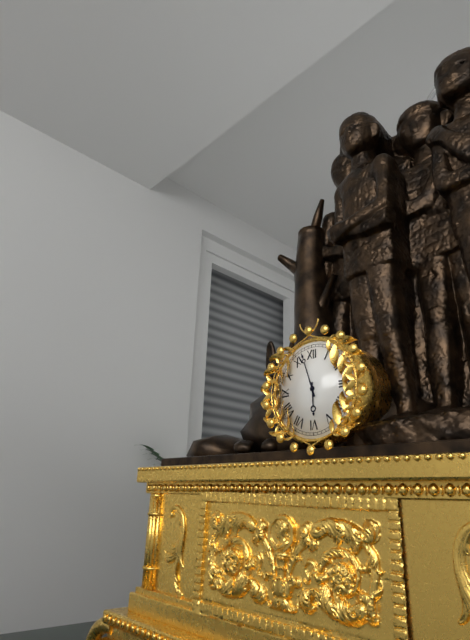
5h57
